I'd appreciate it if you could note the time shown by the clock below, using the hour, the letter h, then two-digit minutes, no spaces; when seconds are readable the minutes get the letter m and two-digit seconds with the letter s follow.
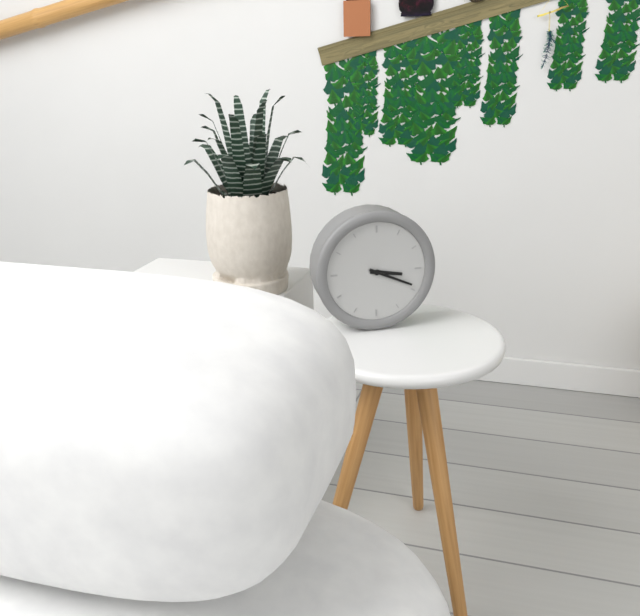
3h19
